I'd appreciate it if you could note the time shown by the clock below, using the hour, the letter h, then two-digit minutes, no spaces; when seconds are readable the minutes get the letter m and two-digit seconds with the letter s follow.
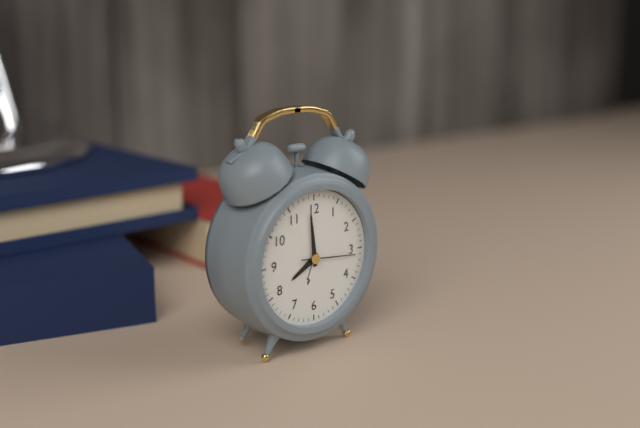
7h59m16s
